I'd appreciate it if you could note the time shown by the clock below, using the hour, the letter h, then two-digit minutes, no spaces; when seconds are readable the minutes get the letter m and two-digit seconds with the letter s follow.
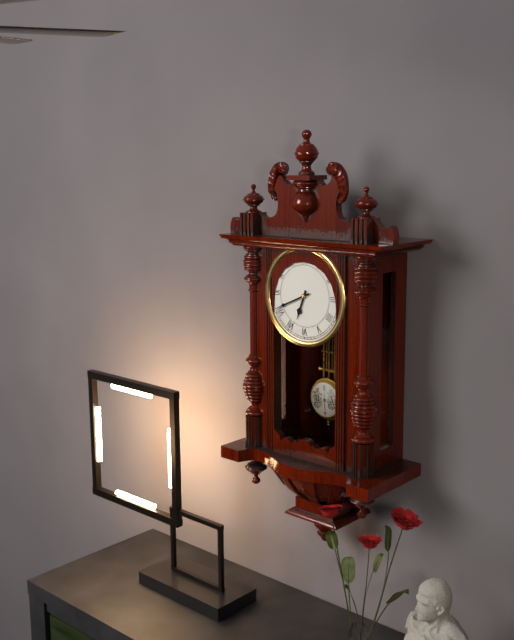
6h41
